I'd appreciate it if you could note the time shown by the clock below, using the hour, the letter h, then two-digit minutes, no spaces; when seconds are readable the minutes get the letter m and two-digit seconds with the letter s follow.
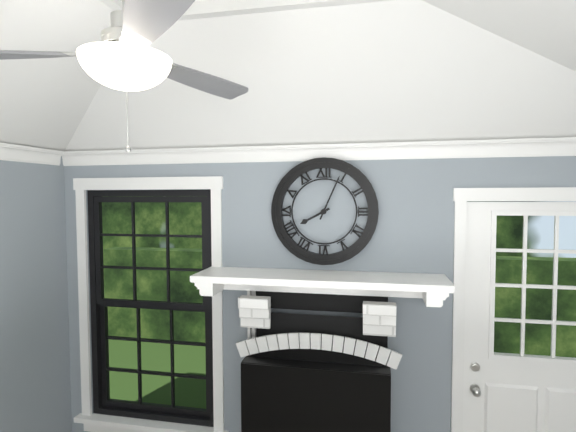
8h04
